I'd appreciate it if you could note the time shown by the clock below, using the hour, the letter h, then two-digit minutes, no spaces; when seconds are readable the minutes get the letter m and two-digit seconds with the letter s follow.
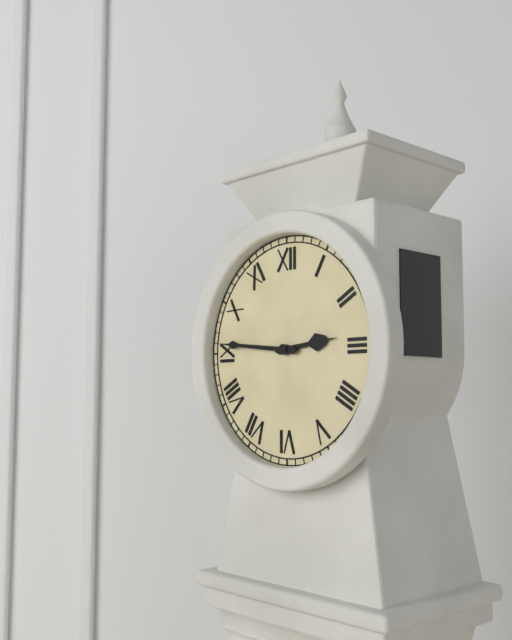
2h46
